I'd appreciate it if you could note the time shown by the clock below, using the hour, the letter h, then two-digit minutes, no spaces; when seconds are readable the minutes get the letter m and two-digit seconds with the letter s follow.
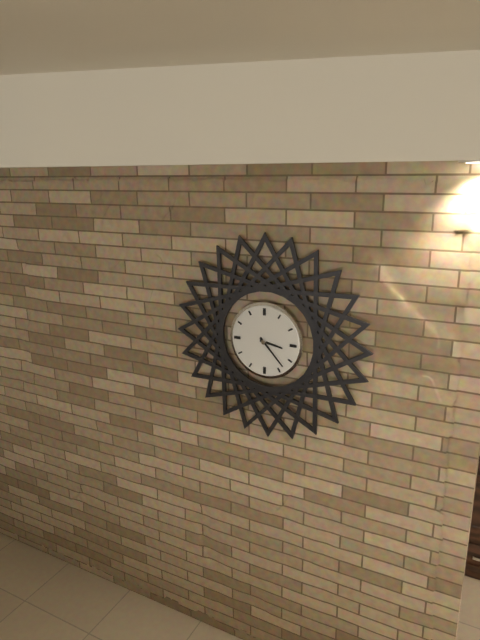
3h23
